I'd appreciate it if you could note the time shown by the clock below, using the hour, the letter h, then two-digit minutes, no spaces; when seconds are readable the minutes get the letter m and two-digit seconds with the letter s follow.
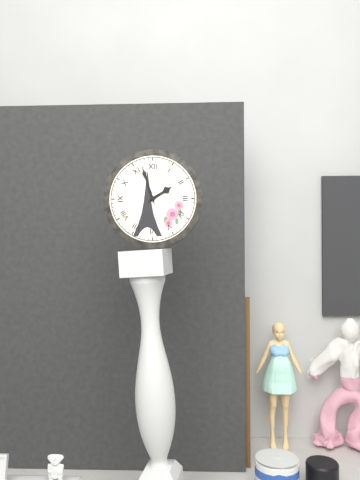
1h57
